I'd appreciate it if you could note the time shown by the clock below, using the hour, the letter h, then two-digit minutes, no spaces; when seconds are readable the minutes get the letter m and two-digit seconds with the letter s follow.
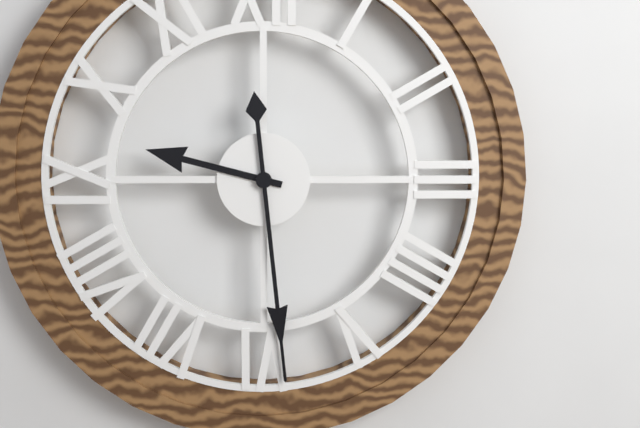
9h29
